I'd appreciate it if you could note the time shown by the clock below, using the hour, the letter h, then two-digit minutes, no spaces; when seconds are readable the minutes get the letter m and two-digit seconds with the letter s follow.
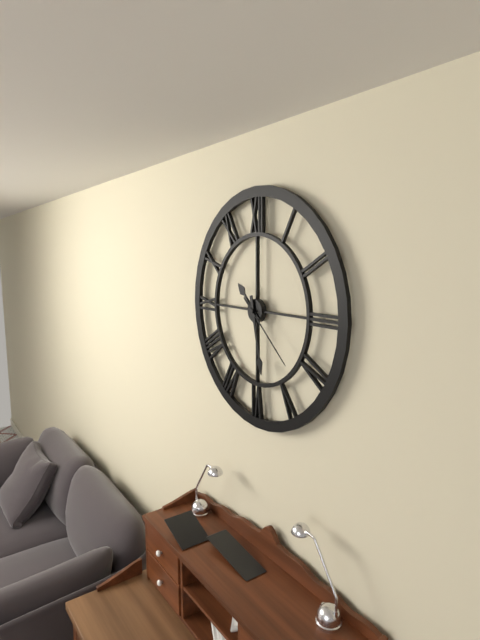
10h28m22s
